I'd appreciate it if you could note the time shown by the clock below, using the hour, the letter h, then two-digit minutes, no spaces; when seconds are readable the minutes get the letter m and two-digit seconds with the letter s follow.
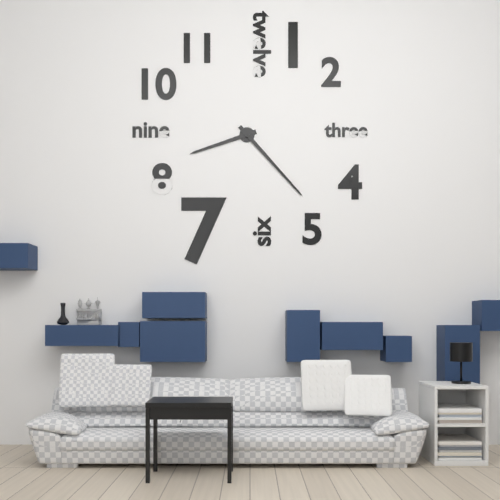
8h23
